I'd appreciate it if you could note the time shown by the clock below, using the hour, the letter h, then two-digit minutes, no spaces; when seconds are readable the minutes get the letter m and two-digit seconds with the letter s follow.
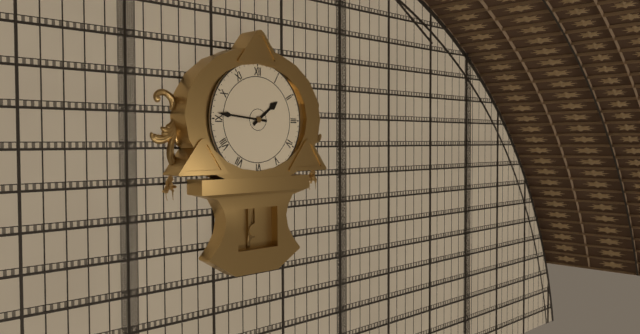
1h46
